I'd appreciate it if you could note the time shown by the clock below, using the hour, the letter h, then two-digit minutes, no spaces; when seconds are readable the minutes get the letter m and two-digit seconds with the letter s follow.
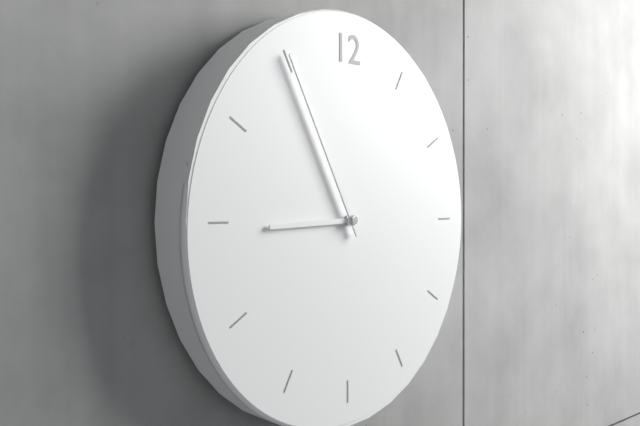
8h55
